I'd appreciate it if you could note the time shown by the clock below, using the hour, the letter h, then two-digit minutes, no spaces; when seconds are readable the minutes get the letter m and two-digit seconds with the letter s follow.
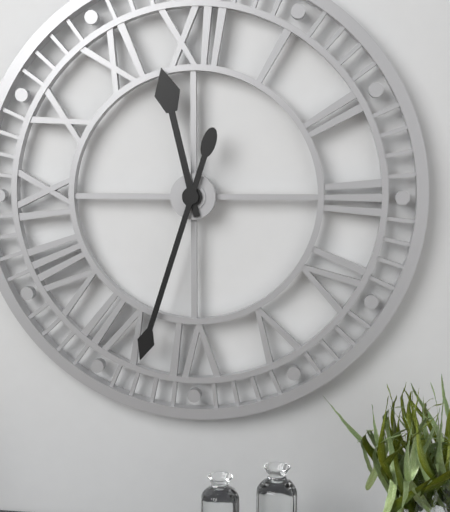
11h33
